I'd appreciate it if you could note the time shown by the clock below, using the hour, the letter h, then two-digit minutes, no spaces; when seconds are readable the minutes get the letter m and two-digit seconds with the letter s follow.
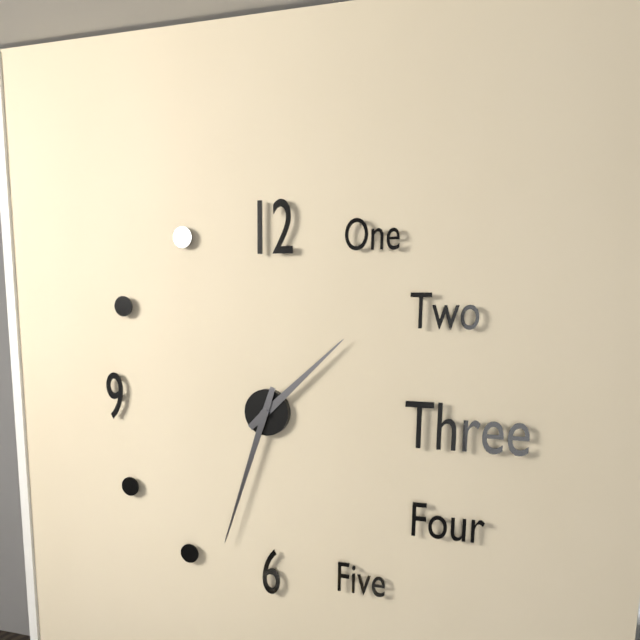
1h33
